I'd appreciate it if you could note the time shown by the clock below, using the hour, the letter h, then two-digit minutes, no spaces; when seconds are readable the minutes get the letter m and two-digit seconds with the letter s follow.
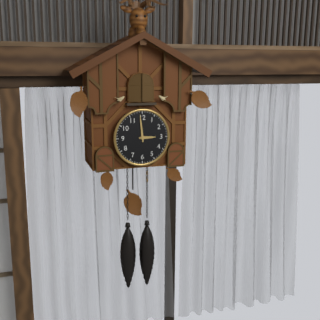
2h59
